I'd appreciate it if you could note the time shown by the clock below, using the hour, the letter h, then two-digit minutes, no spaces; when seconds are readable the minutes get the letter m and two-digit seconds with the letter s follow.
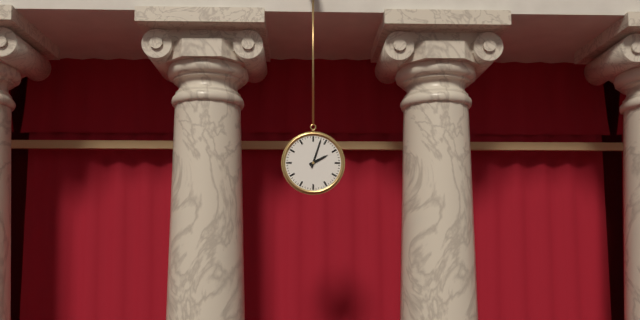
2h03
